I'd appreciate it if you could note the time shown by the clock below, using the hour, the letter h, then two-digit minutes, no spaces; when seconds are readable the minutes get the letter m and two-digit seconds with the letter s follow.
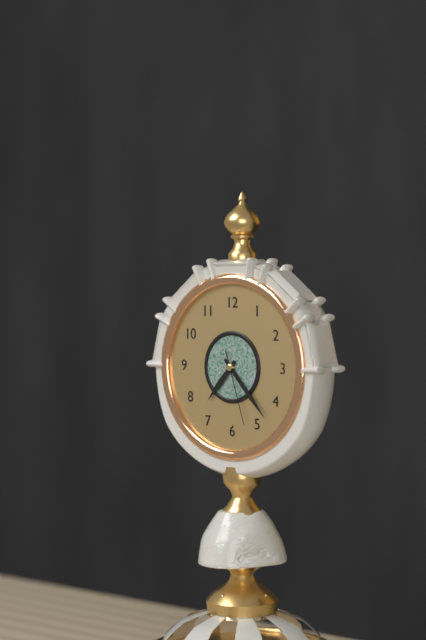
7h23m27s
